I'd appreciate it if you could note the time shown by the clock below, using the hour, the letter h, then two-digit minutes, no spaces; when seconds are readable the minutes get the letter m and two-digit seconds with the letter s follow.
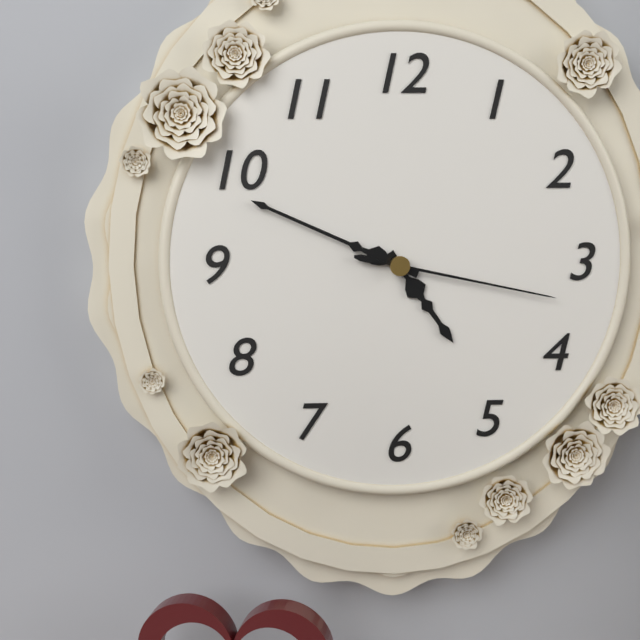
4h49m17s
